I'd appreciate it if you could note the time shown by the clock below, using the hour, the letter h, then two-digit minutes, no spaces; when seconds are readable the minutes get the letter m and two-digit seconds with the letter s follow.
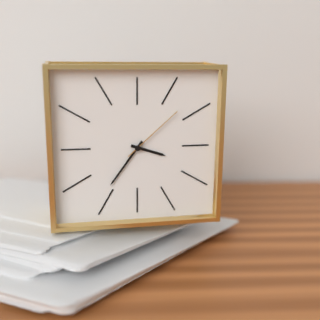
3h36m08s
